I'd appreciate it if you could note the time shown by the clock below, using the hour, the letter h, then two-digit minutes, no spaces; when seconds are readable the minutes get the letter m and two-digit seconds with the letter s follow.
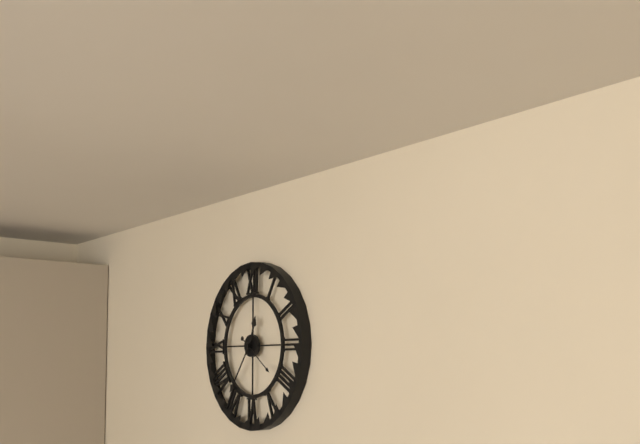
12h36
